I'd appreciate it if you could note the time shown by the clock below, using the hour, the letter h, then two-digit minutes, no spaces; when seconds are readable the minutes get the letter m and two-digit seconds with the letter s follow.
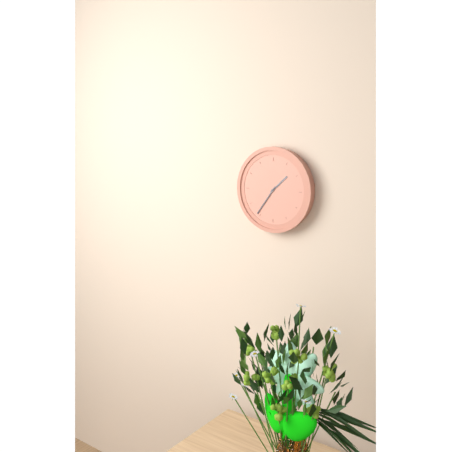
1h36
